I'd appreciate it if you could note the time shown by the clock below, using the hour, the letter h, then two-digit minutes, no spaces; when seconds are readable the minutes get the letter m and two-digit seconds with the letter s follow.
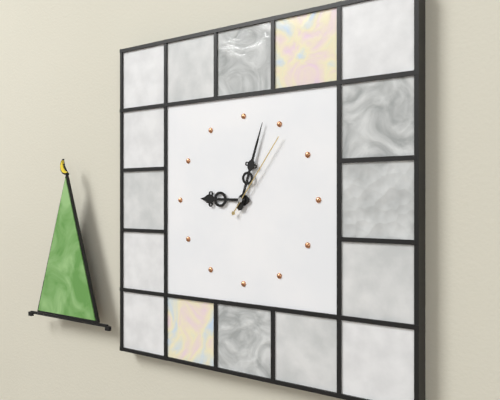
9h03m06s
